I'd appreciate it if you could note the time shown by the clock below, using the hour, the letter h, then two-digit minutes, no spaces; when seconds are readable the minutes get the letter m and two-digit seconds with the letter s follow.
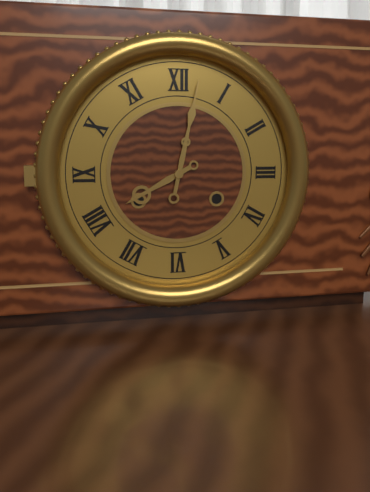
8h02
